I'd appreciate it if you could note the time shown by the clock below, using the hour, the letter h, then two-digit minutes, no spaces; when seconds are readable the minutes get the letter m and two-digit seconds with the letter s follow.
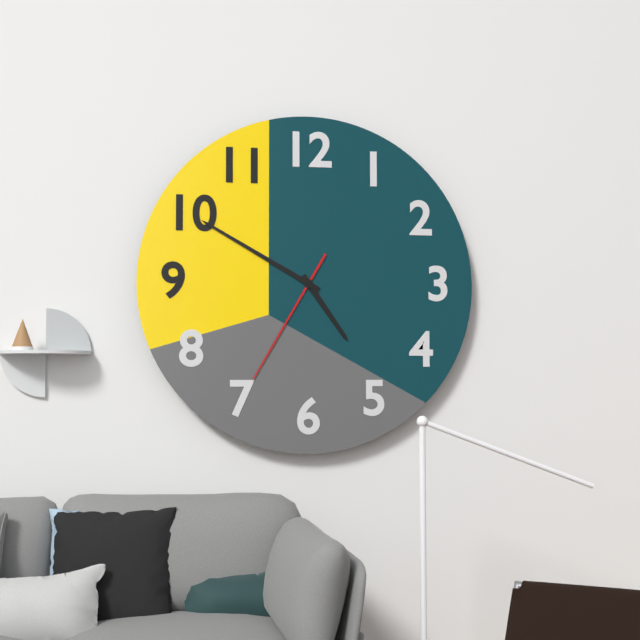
4h50m35s
